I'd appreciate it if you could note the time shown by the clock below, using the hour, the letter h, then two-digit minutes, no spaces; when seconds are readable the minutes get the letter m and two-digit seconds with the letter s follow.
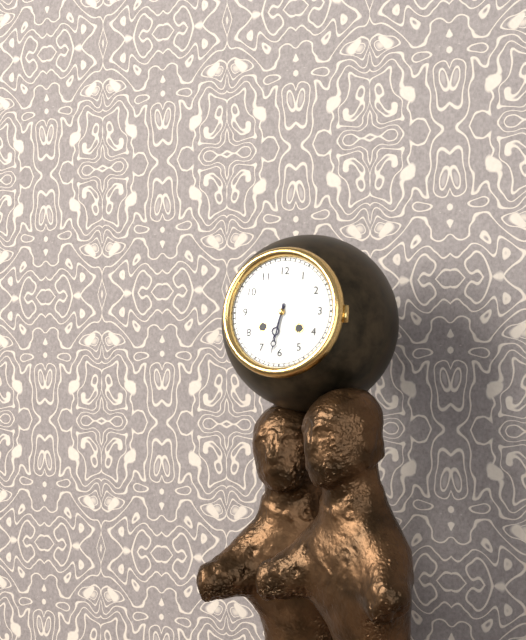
6h32
